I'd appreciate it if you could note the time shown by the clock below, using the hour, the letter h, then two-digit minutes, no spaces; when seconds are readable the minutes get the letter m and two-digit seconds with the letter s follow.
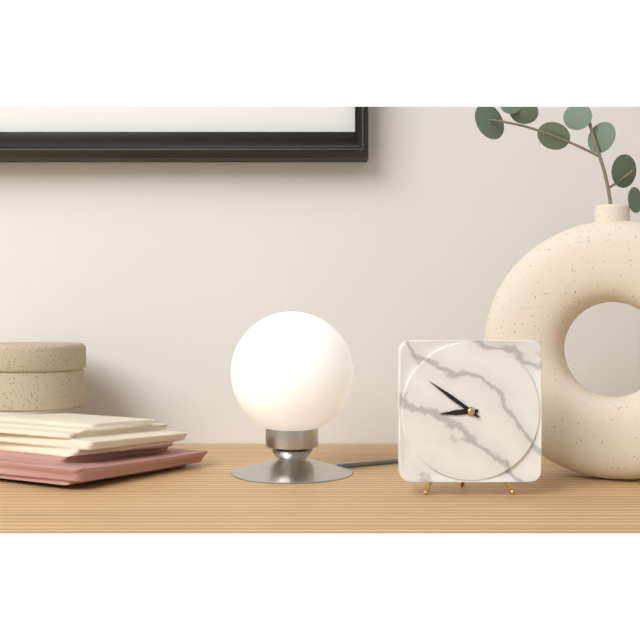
8h51
